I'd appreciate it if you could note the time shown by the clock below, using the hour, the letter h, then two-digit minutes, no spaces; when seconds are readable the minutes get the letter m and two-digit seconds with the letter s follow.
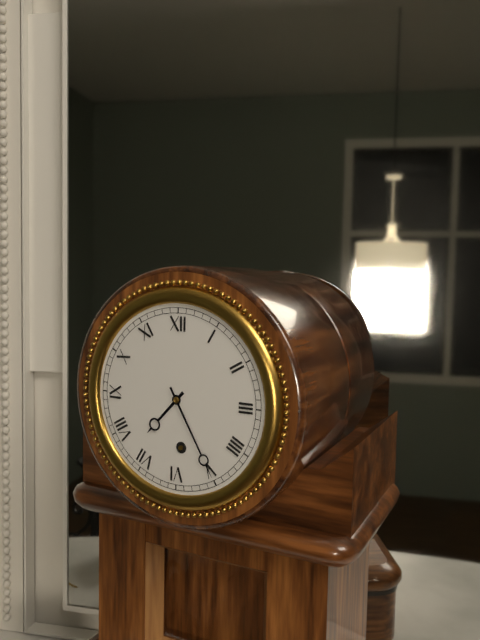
7h25
